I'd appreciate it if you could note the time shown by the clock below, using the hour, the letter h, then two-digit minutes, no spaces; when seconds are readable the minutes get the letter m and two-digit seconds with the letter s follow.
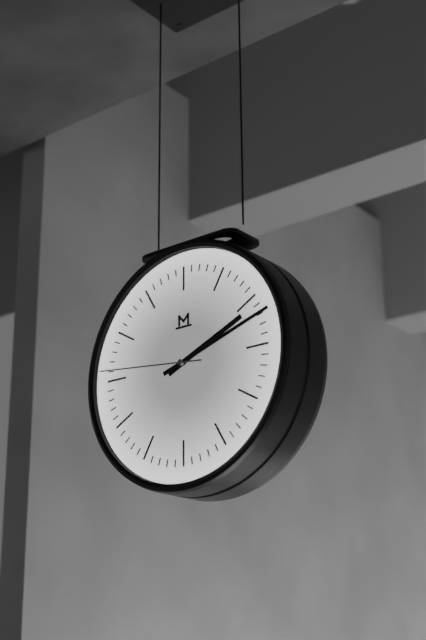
2h12m46s
